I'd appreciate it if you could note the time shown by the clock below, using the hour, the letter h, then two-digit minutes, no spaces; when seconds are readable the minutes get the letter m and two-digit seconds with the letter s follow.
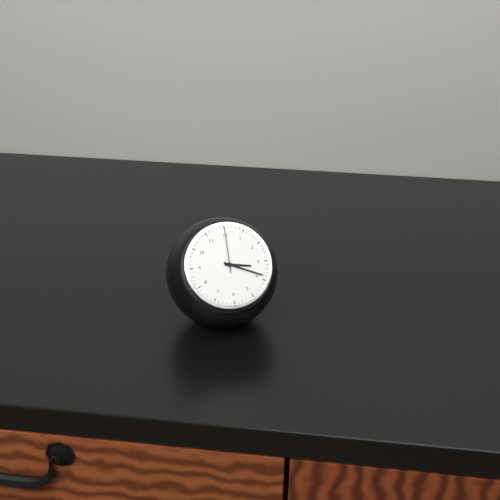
3h19
